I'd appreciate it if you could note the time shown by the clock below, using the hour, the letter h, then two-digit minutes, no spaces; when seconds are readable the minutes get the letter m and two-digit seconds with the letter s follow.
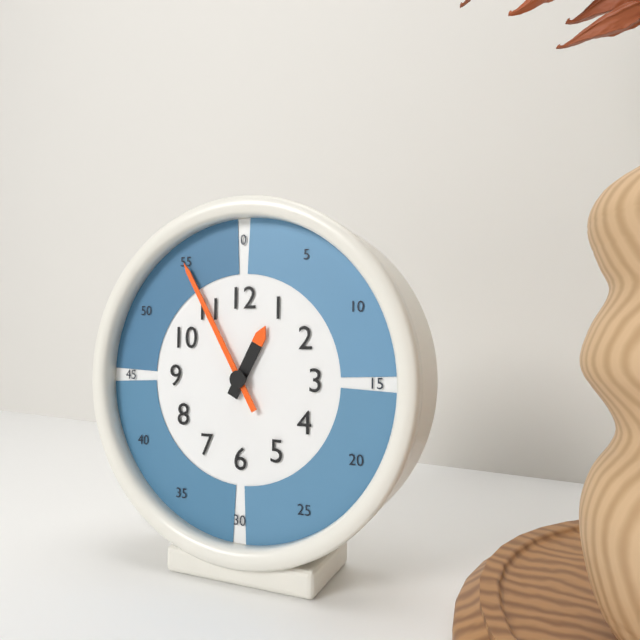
12h55
